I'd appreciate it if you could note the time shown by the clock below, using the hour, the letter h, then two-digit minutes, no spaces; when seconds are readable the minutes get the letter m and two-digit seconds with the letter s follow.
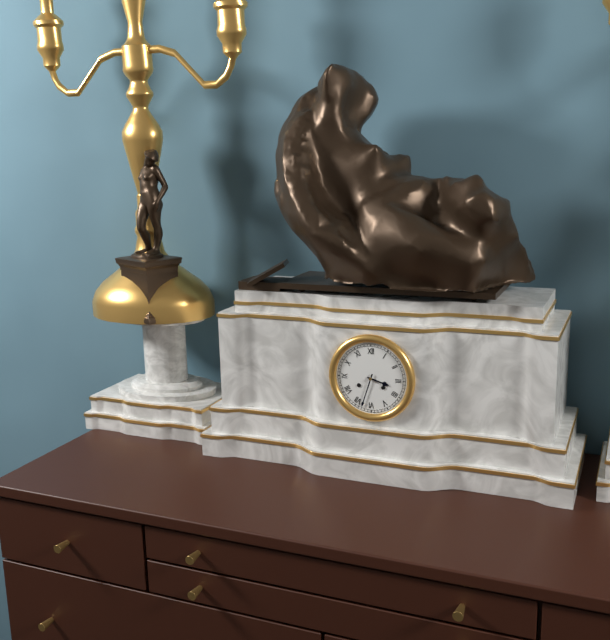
3h33
